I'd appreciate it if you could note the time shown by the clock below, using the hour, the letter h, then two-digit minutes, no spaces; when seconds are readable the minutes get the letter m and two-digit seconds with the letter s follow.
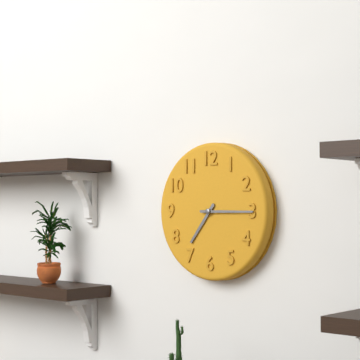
7h15
